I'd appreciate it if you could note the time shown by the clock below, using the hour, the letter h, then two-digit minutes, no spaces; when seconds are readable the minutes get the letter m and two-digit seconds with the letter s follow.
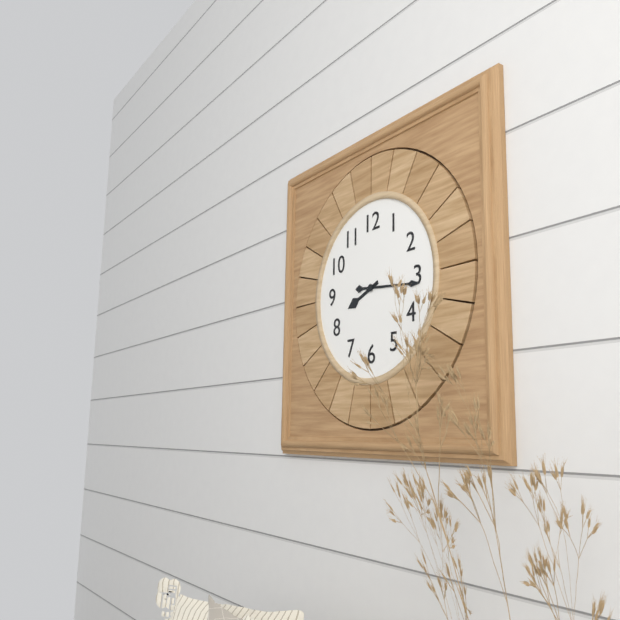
8h16
